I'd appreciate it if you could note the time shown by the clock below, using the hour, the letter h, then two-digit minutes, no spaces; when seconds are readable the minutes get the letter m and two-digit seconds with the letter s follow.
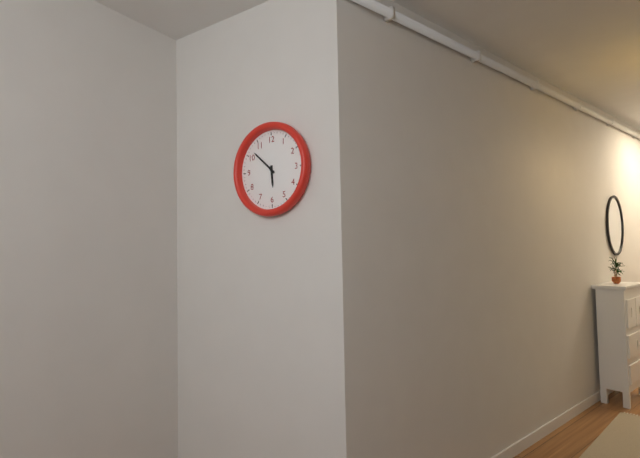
5h52
